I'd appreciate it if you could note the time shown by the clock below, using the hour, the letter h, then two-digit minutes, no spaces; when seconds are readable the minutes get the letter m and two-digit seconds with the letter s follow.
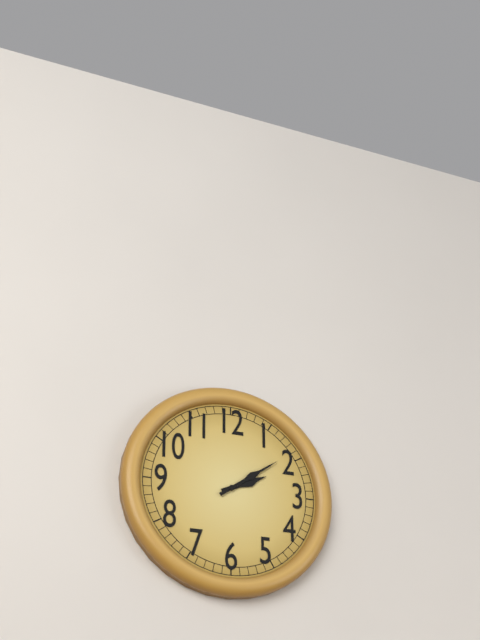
2h09
